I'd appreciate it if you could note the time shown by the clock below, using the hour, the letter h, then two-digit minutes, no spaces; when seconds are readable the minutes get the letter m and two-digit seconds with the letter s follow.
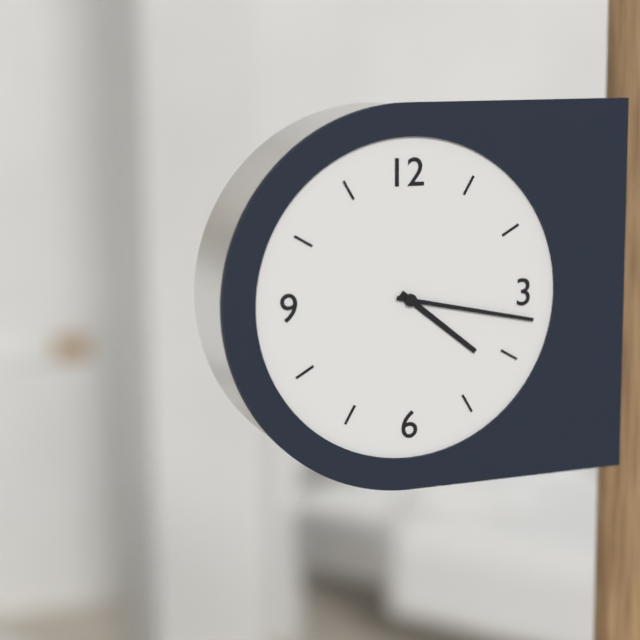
4h17
